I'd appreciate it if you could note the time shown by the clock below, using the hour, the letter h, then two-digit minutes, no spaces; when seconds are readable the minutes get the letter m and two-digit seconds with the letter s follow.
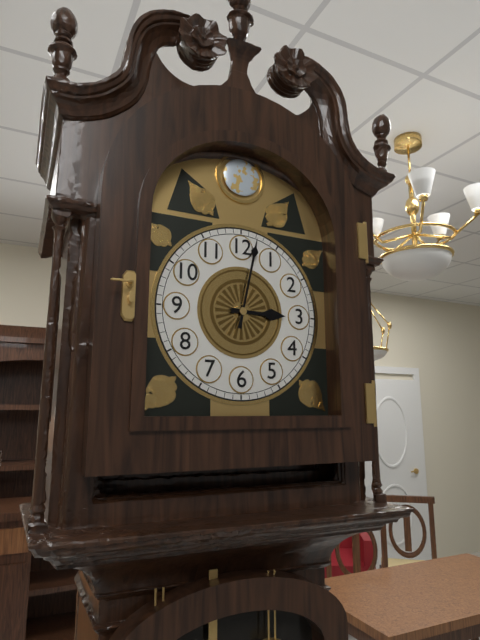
3h02
